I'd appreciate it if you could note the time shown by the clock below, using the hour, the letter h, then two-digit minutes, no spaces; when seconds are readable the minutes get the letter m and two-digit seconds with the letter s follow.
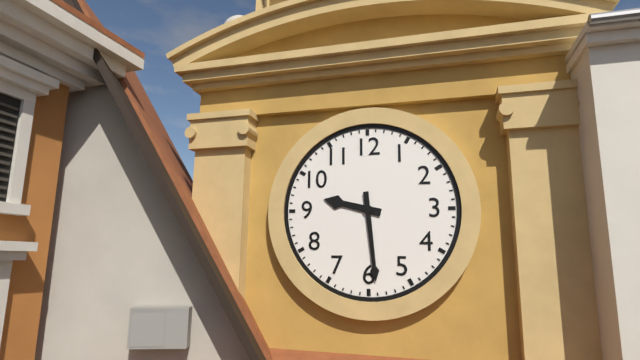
9h29
